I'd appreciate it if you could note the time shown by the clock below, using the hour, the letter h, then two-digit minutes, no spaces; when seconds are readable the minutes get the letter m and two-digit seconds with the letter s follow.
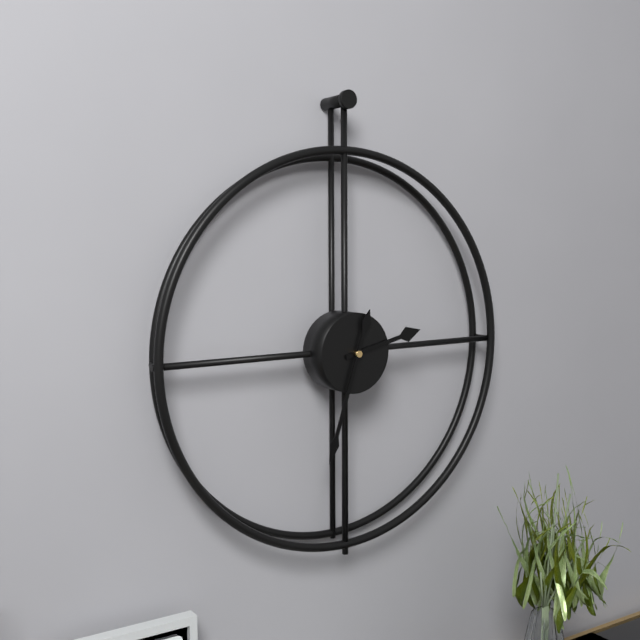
2h33
